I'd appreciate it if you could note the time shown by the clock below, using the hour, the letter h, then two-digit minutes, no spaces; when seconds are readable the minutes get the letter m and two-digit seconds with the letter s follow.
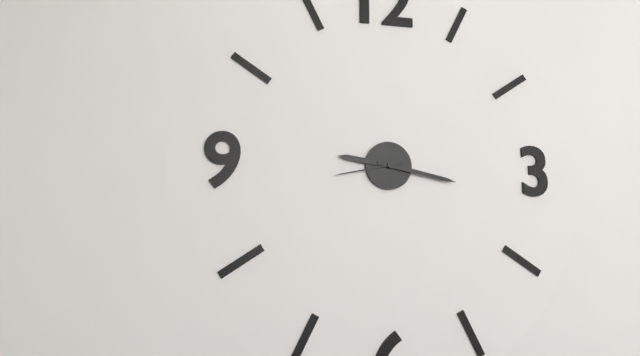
9h17m43s
